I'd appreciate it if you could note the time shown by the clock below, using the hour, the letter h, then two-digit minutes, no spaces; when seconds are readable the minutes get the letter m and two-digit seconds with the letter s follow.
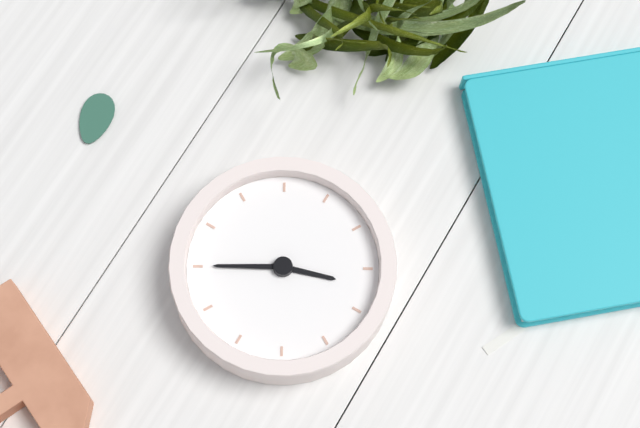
11h25
